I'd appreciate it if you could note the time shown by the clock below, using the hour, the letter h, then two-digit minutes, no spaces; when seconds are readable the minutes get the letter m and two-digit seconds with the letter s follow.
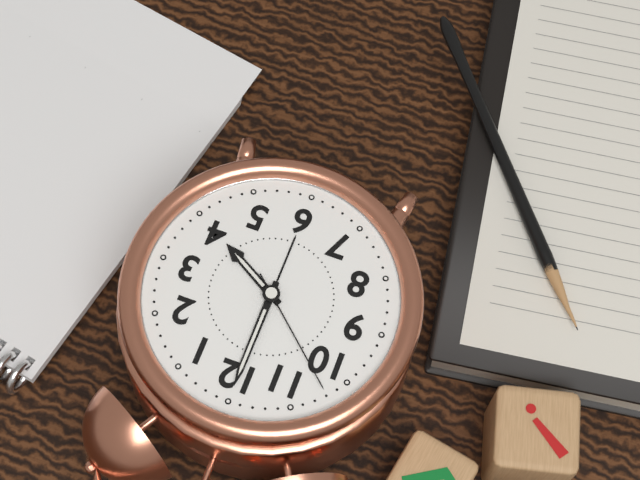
4h00m52s
